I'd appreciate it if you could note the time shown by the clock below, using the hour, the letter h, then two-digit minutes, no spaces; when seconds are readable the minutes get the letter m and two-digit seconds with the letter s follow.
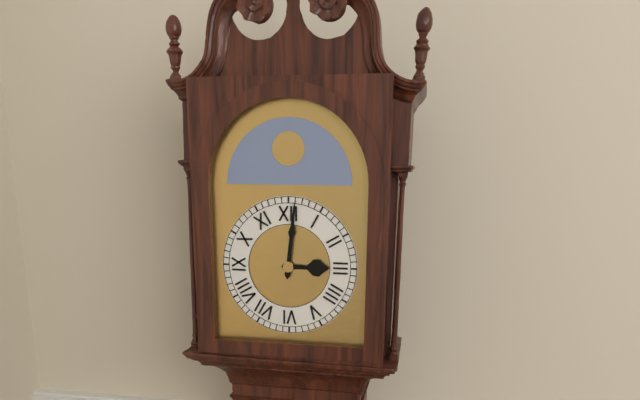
3h01
